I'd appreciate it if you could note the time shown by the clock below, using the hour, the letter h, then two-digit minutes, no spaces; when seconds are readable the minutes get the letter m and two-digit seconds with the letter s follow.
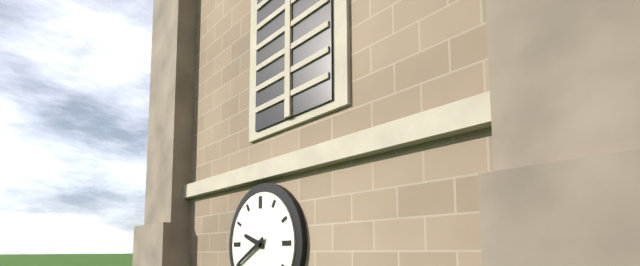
9h40
